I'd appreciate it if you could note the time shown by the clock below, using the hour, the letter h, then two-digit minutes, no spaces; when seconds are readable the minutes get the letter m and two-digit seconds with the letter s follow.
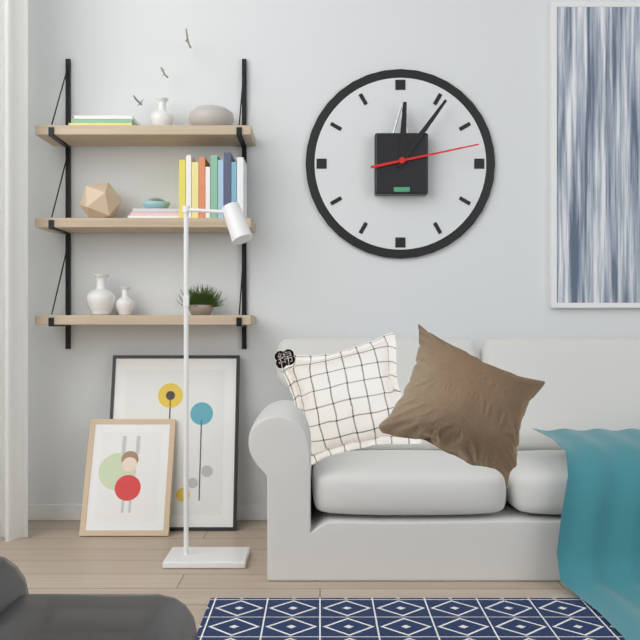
12h06m13s
